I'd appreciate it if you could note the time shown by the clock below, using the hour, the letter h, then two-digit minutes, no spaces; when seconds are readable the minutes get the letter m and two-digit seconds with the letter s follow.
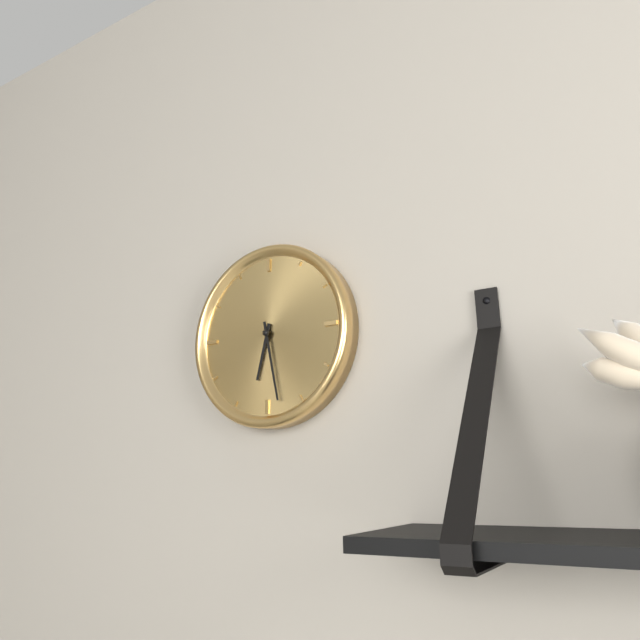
6h28
